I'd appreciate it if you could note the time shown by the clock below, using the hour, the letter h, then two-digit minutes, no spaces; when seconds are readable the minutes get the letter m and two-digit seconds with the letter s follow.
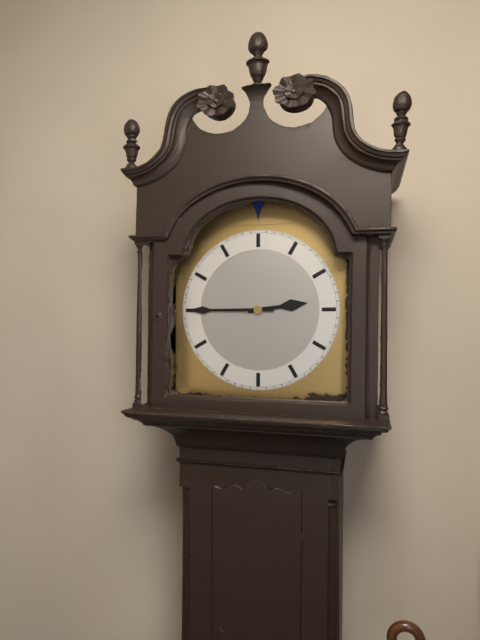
2h45
